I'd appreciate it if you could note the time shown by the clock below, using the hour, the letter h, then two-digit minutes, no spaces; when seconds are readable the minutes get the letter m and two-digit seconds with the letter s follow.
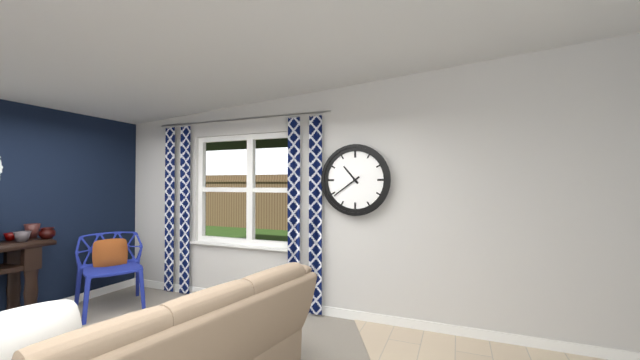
10h39
